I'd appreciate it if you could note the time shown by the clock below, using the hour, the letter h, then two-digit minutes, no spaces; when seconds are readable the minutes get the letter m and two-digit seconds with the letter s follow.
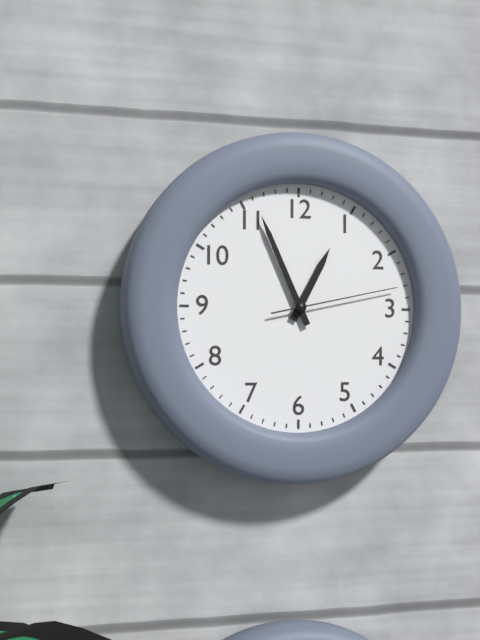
12h56m13s
